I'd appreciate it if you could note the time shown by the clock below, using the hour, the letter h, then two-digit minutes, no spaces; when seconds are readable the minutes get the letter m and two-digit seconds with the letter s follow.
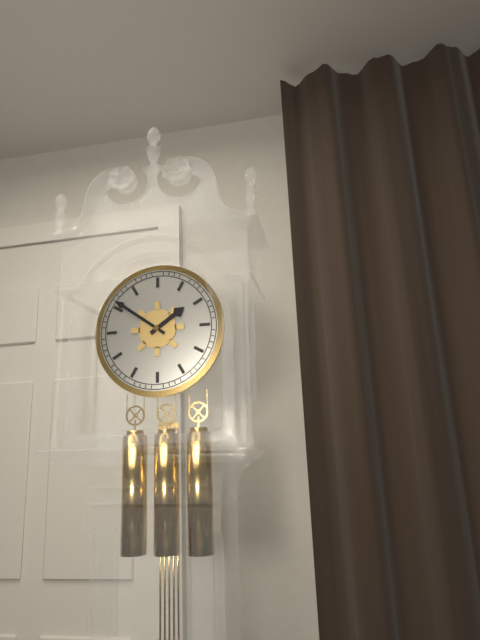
1h51
